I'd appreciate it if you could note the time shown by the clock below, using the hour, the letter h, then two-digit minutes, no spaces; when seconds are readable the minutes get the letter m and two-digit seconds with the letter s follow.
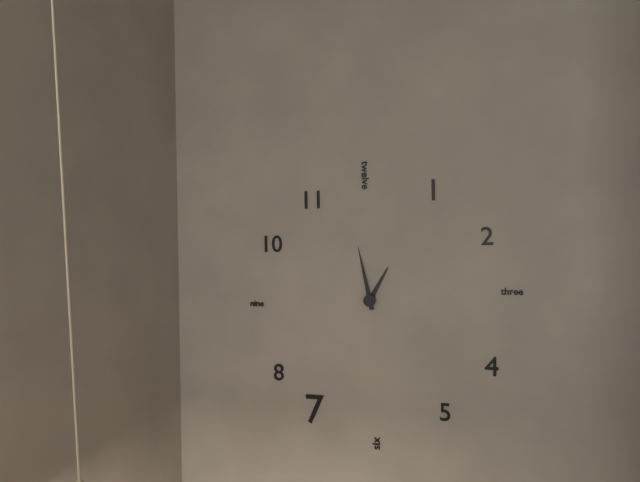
12h58
